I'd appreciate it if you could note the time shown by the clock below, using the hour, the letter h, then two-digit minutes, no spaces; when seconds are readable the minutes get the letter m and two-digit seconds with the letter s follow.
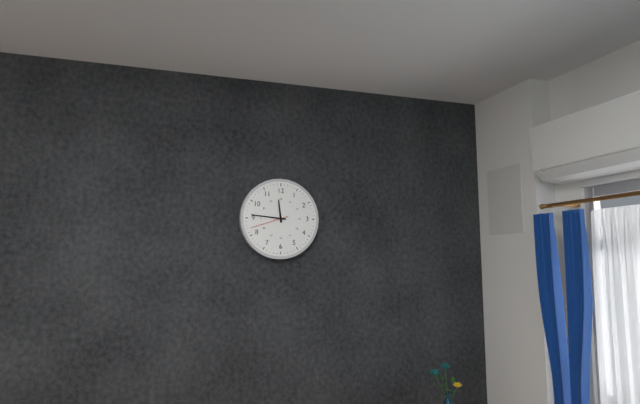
11h46
